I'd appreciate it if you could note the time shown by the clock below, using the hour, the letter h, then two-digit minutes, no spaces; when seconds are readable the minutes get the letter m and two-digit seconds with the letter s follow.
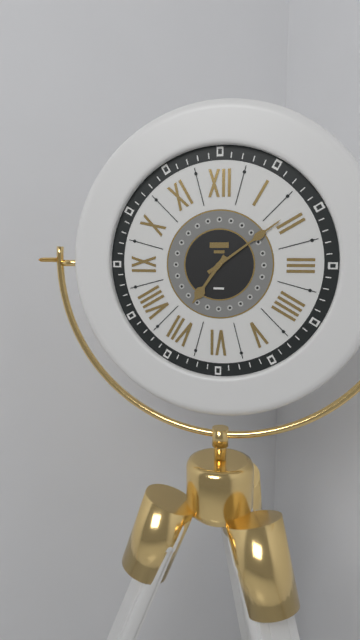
7h09
